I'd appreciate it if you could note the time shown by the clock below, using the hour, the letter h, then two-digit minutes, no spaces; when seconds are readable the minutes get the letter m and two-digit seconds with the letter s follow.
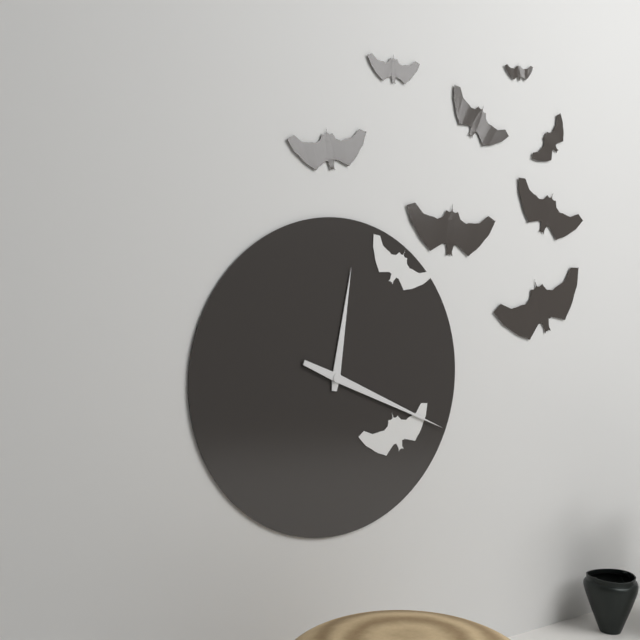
12h19
